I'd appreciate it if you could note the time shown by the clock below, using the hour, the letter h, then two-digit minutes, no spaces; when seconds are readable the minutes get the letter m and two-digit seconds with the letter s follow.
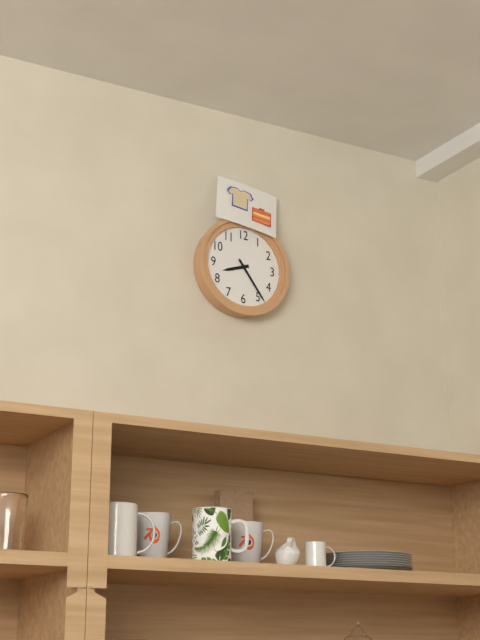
8h24
